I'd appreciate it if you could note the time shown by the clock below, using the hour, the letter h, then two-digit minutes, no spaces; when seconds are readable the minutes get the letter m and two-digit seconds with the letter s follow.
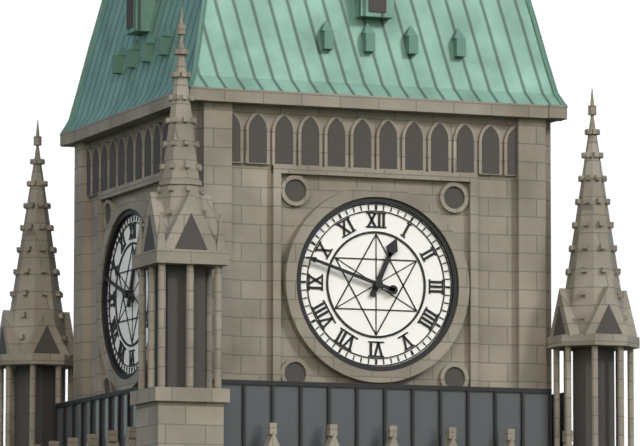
12h48
